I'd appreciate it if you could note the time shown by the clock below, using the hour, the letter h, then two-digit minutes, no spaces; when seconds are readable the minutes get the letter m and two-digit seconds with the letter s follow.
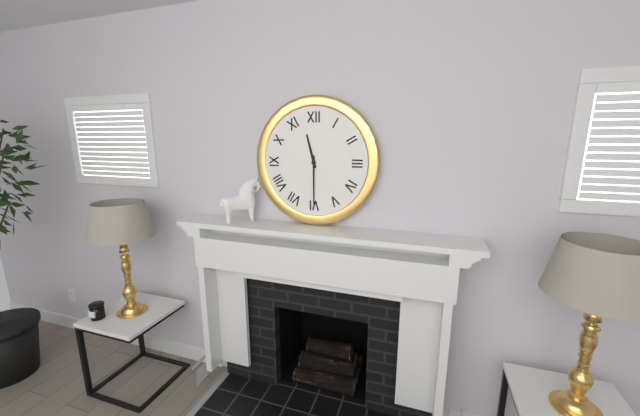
11h30
